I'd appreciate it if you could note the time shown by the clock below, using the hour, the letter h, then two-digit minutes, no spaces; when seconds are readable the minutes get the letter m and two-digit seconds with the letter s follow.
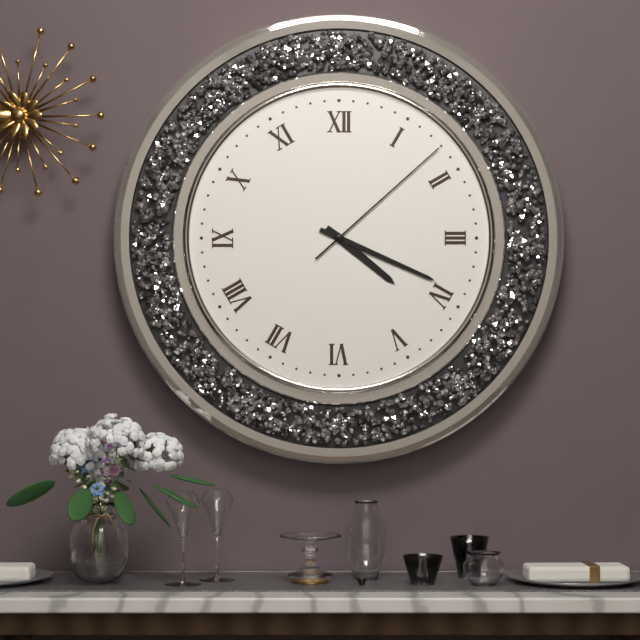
4h19m08s
